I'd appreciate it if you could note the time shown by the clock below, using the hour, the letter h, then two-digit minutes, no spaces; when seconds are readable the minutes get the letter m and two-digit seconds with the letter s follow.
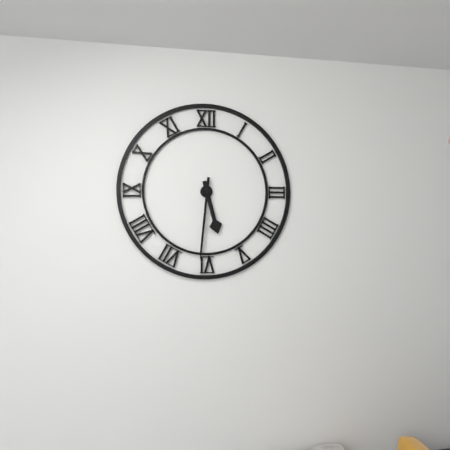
5h31
